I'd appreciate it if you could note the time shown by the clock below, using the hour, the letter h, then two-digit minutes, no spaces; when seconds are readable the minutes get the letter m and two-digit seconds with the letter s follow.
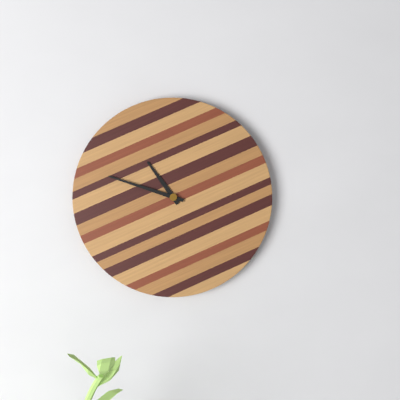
10h48
